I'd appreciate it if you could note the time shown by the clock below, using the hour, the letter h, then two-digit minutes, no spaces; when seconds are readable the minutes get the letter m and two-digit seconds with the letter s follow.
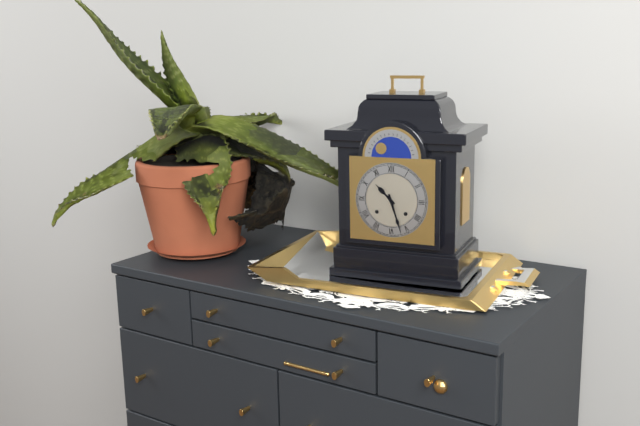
10h27
